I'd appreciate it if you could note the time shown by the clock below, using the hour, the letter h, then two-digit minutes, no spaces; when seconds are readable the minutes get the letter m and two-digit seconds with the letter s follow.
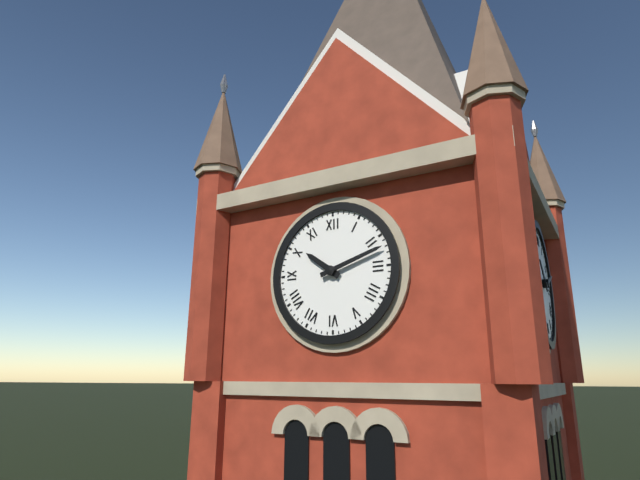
10h12
